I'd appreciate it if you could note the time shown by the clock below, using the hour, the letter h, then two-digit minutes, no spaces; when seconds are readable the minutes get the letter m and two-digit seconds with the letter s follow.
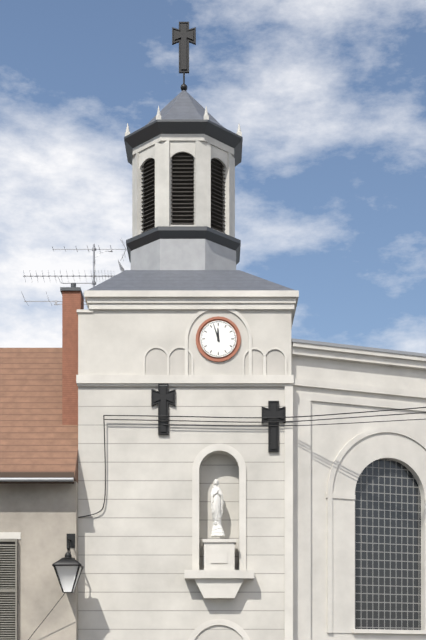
11h57
